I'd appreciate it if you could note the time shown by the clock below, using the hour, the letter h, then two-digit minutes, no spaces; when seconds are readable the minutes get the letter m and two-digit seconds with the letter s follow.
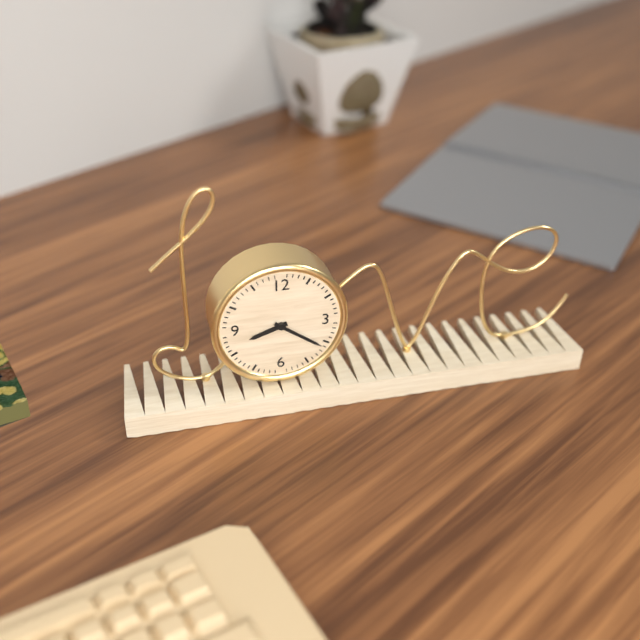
8h21
